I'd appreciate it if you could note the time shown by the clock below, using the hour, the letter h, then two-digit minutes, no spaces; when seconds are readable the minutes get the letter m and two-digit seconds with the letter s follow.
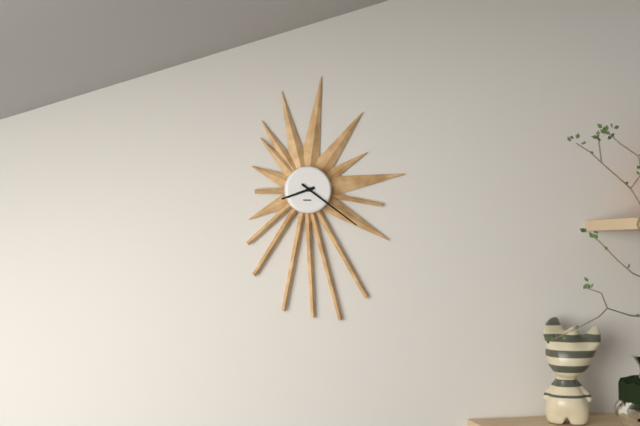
8h21
